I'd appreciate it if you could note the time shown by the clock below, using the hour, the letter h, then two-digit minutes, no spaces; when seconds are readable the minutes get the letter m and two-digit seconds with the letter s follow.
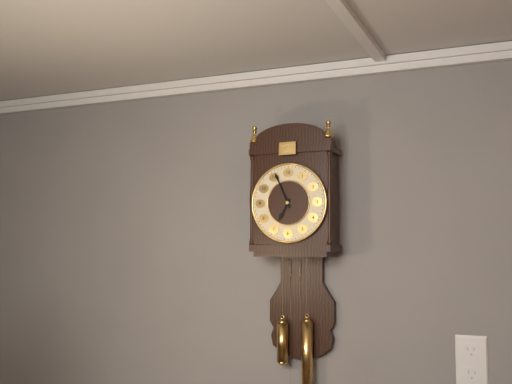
6h56
